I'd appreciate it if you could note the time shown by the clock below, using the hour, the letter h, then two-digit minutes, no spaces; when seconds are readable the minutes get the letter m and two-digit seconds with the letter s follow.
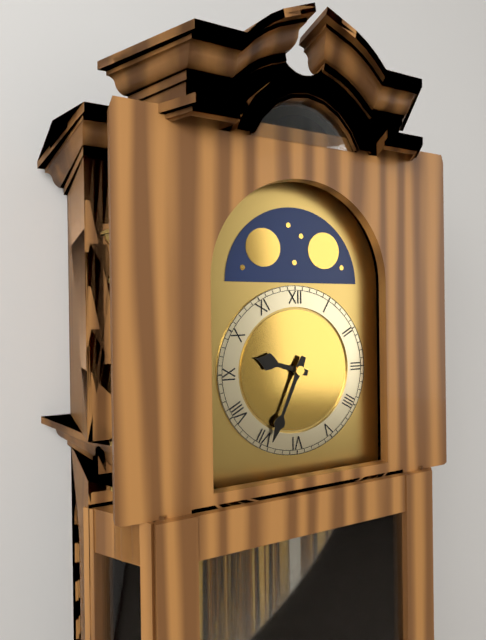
9h34
